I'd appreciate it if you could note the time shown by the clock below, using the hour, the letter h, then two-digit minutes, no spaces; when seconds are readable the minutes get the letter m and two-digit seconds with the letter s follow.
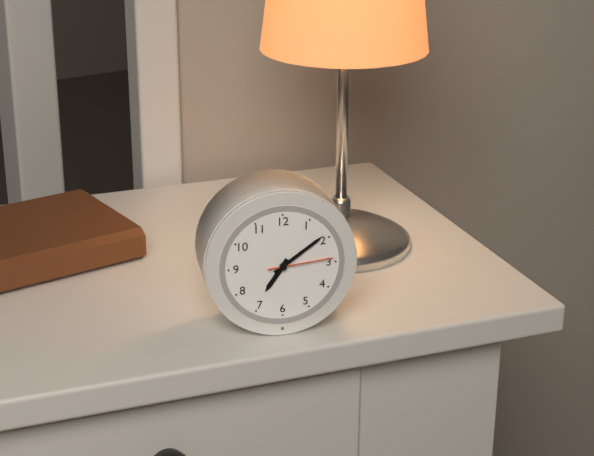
7h09m14s
